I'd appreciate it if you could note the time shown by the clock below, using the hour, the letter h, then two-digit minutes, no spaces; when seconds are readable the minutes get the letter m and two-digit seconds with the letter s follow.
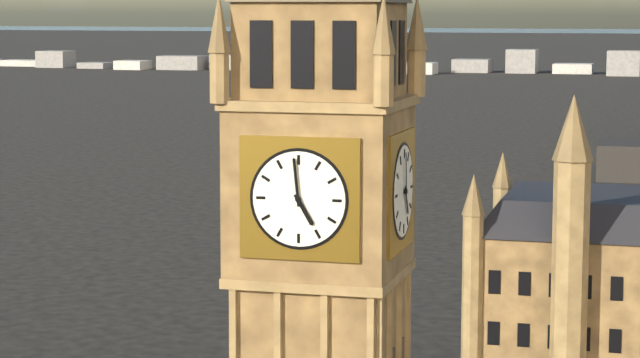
4h59
